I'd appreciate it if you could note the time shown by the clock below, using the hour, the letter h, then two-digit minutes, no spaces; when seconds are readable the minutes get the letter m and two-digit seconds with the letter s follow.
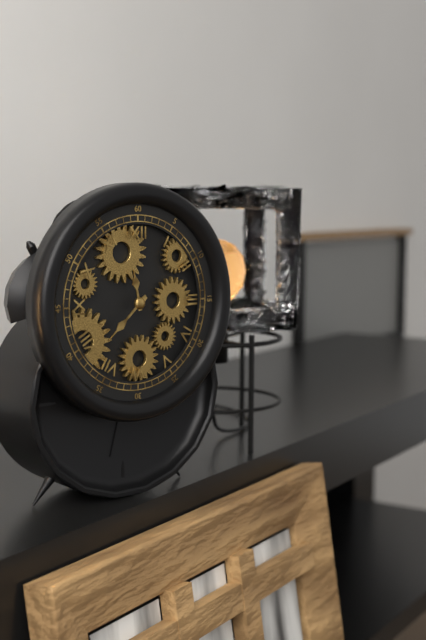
11h38
